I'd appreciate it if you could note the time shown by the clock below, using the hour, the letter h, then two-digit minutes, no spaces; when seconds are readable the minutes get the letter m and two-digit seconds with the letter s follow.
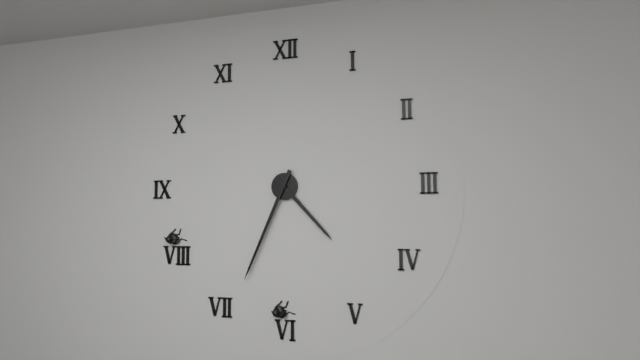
4h34
